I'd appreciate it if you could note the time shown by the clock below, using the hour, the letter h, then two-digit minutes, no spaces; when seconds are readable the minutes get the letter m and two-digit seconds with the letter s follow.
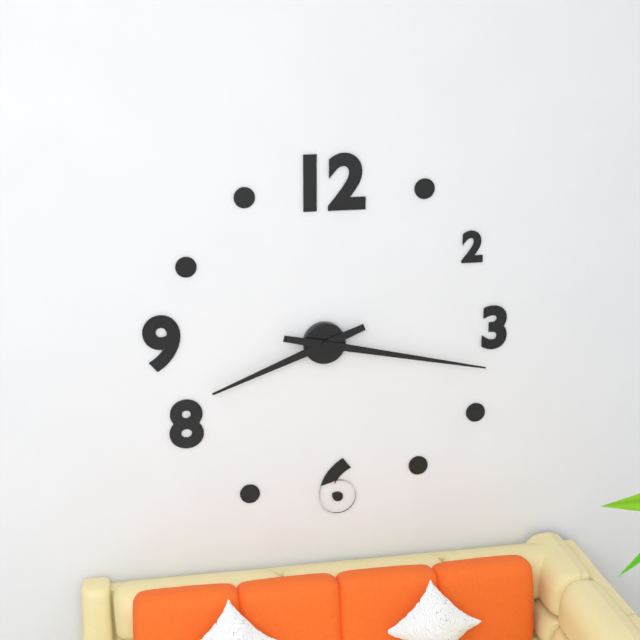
8h17
